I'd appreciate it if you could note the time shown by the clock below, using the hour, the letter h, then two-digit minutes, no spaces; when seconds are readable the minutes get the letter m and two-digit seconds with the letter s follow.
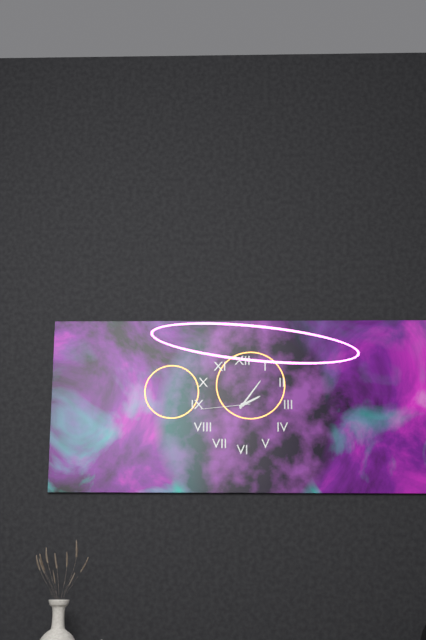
2h06m44s
